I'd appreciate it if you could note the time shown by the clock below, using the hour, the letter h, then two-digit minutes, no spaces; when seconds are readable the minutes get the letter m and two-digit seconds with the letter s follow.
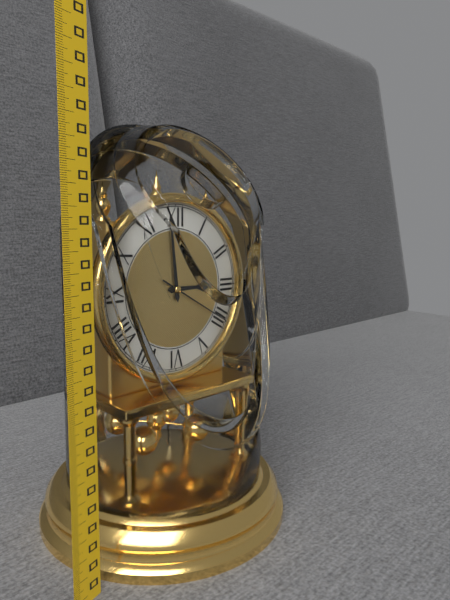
2h59m20s
